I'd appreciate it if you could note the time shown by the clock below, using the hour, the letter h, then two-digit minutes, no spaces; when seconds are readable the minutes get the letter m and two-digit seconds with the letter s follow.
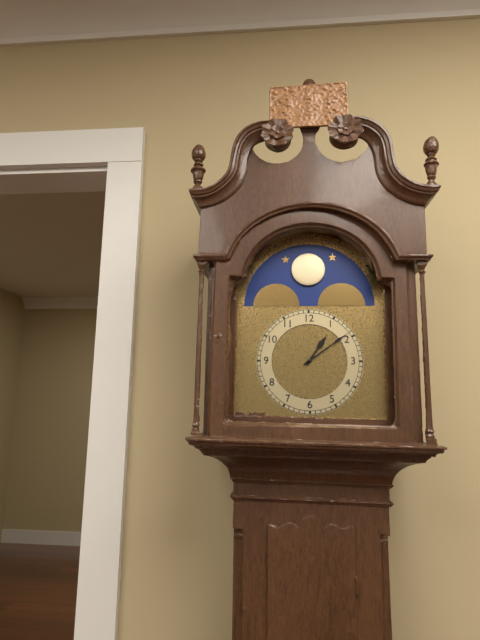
1h09
